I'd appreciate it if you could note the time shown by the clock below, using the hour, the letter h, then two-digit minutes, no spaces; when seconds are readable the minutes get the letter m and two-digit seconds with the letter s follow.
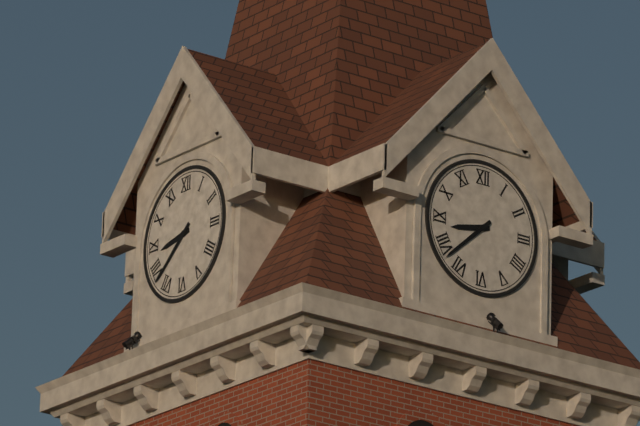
8h38
